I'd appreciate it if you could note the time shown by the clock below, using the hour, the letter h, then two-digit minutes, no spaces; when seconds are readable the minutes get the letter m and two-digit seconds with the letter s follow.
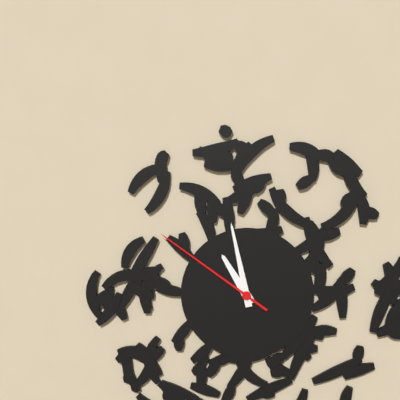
10h58m51s
